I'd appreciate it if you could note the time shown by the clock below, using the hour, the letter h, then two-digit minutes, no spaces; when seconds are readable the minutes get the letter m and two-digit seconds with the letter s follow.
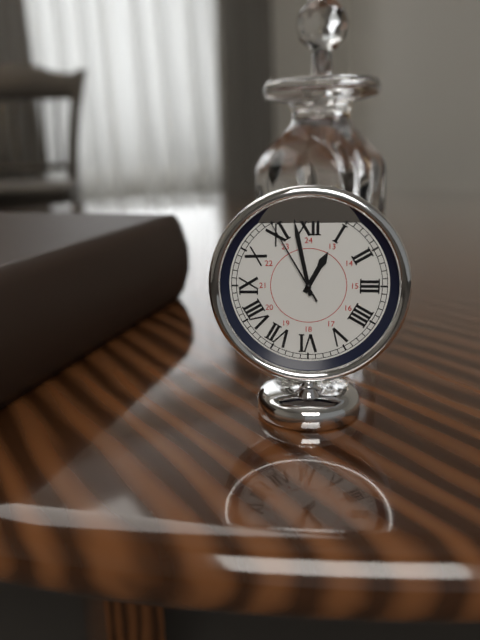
12h58m55s
